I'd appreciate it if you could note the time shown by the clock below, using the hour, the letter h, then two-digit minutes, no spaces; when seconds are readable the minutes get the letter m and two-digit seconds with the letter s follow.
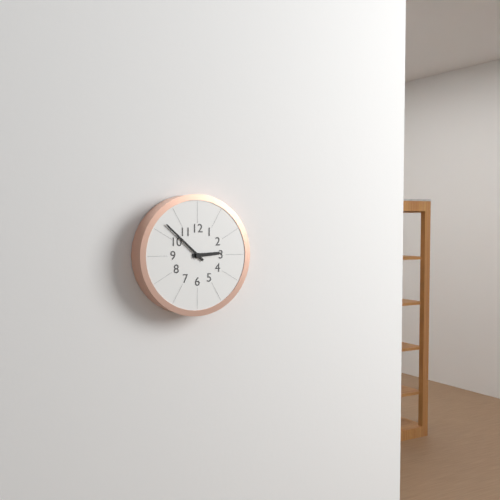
2h52
